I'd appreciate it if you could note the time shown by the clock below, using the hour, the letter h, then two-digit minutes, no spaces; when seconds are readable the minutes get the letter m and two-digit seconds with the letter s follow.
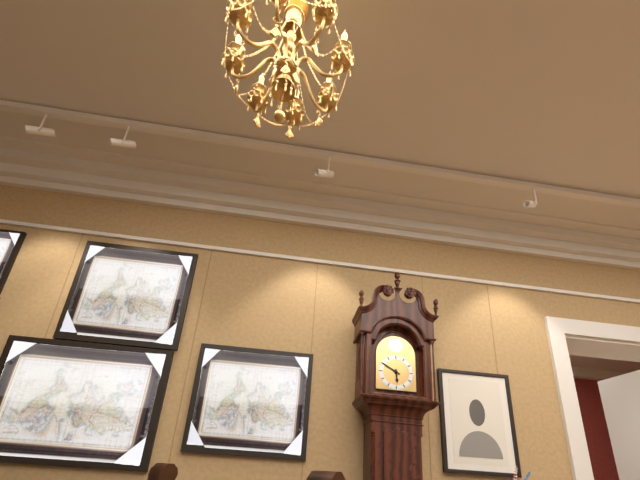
5h50
